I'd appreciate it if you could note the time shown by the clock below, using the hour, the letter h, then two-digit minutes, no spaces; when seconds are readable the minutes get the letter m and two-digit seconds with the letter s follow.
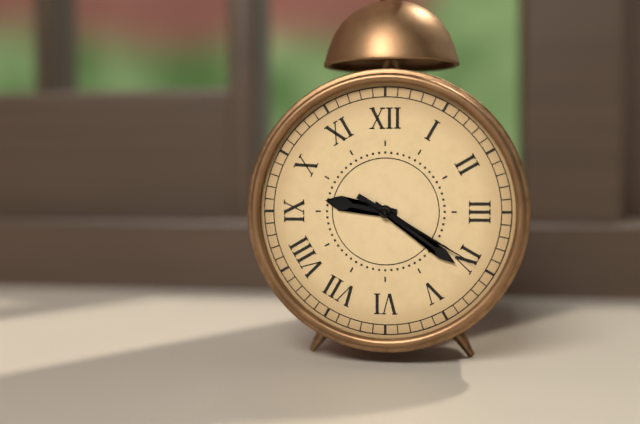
9h21m20s
